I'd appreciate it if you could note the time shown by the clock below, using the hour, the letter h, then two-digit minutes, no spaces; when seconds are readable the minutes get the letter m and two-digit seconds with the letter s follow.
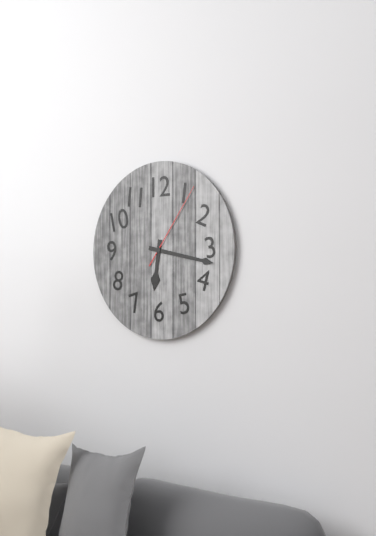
6h17m06s
